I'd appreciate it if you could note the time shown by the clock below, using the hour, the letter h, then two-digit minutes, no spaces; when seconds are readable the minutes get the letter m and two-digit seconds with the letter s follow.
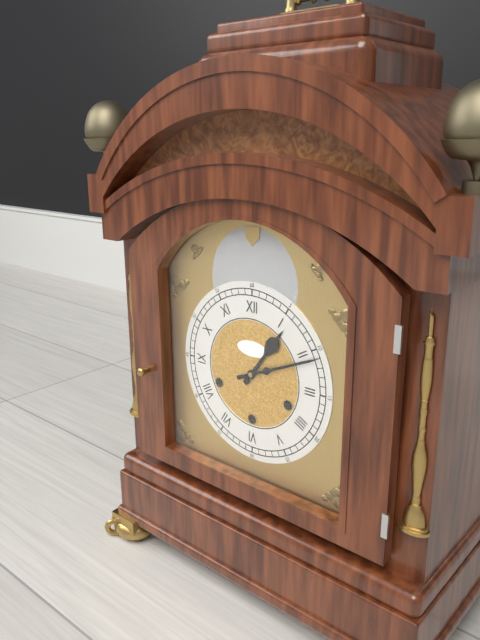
1h11
